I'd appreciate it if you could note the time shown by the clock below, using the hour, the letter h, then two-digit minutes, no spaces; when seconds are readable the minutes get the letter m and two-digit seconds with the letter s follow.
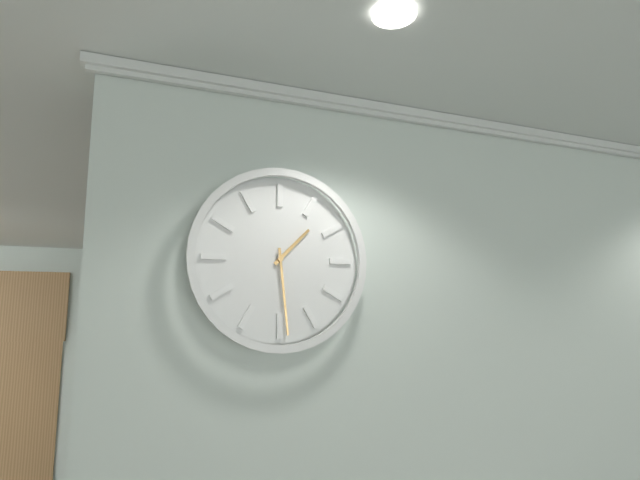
1h29
